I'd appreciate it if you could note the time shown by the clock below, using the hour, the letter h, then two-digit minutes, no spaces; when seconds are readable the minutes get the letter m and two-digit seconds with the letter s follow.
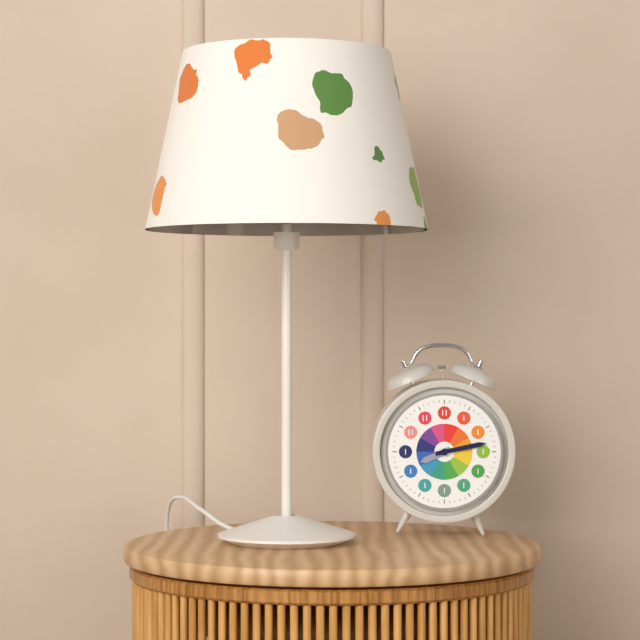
8h13
